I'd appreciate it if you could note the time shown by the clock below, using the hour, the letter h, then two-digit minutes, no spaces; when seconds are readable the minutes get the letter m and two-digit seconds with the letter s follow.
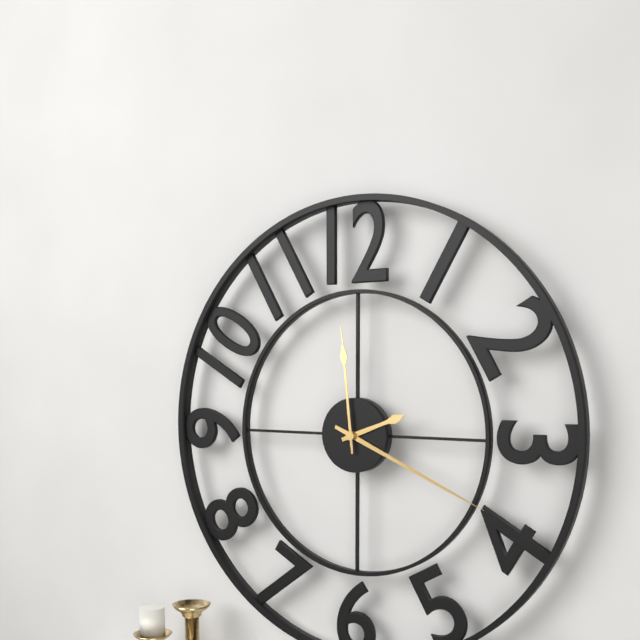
2h19m59s
